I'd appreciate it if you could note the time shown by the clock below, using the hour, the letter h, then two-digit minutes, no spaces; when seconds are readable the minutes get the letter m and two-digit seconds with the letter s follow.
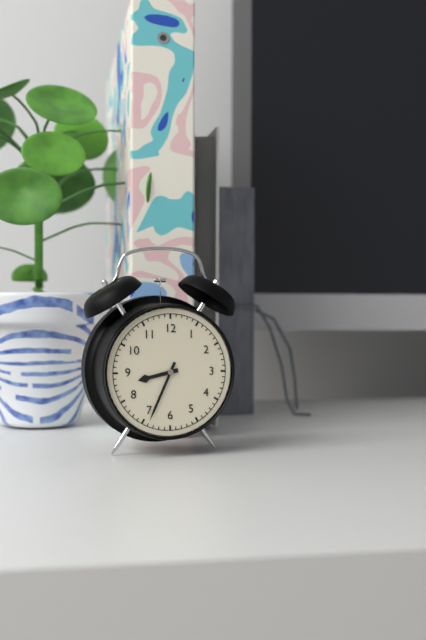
8h34
